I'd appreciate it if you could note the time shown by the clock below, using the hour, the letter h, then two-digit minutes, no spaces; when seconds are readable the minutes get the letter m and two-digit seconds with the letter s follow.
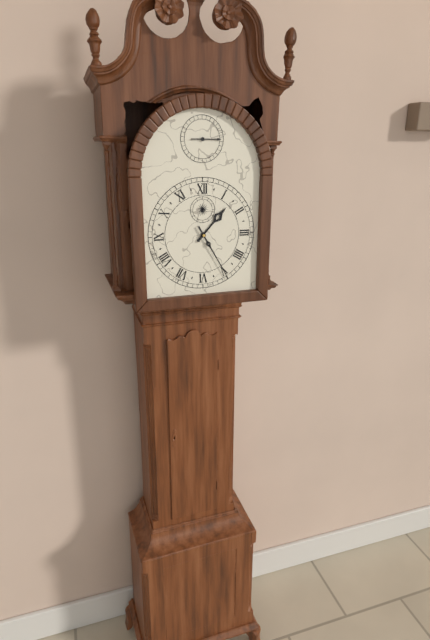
1h25
